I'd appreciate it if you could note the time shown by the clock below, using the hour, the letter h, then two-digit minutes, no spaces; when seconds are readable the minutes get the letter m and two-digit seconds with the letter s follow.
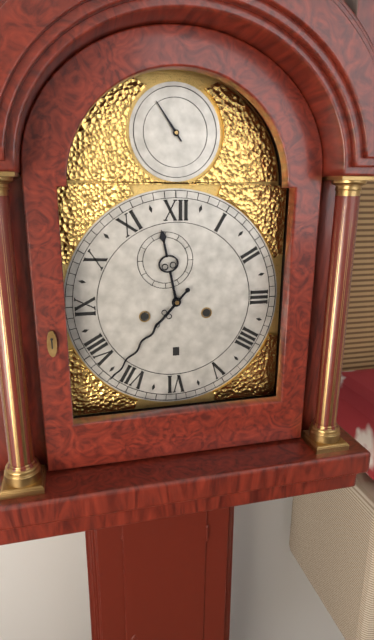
11h37
